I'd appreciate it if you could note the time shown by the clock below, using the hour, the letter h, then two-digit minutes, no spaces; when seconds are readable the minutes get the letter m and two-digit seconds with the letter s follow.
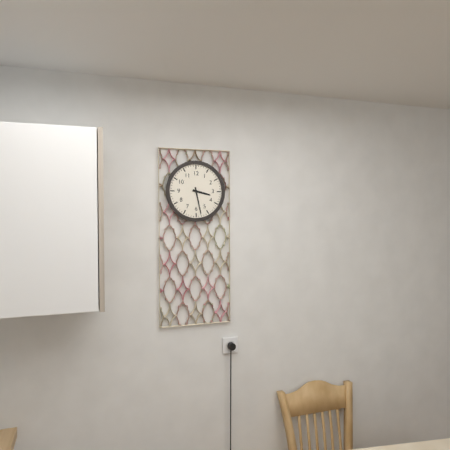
3h28
